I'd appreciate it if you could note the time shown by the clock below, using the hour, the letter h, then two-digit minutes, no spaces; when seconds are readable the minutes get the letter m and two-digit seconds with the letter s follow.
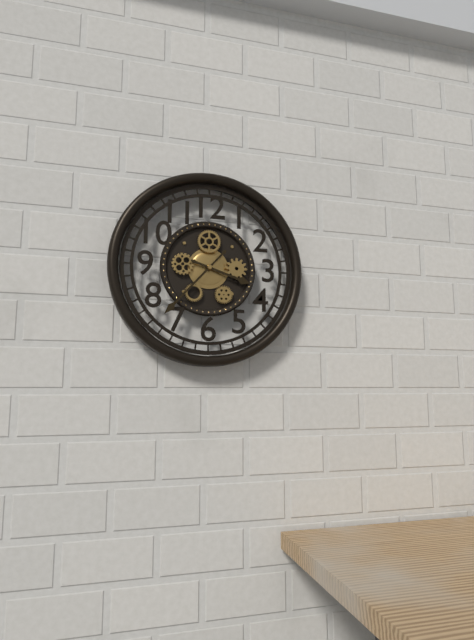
3h37
